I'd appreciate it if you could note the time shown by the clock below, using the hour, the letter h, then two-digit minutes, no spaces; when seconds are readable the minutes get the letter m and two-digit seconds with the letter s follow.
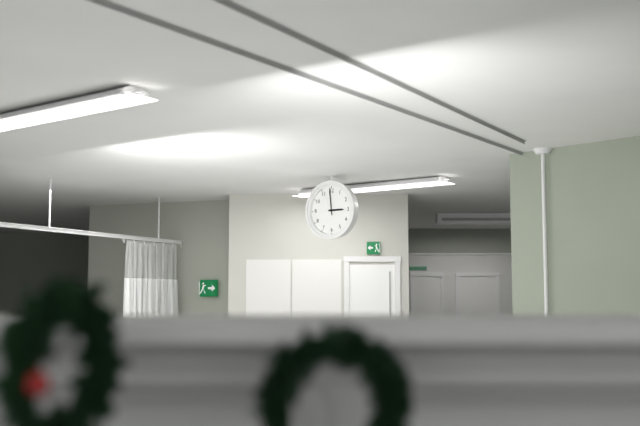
2h59
